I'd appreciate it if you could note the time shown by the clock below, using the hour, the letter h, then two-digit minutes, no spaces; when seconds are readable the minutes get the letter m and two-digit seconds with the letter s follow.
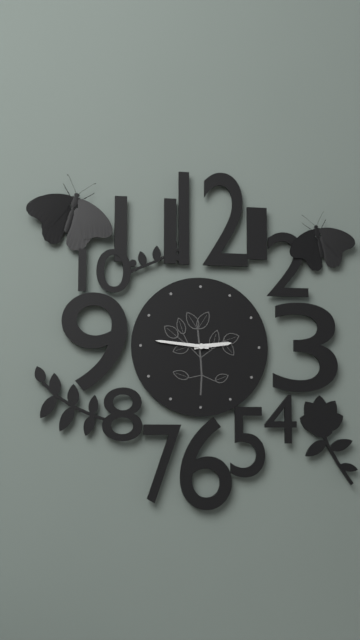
2h46
